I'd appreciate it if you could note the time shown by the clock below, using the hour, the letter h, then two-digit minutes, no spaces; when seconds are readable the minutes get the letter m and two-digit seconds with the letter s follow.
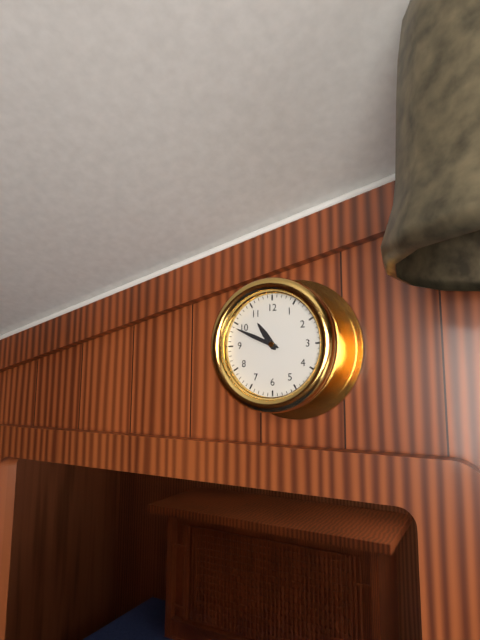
10h49
